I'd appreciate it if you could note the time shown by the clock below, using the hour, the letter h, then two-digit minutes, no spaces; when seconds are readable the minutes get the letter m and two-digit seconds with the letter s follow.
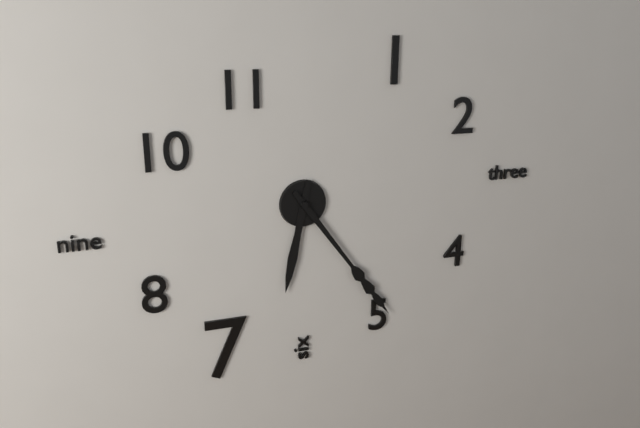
6h24
